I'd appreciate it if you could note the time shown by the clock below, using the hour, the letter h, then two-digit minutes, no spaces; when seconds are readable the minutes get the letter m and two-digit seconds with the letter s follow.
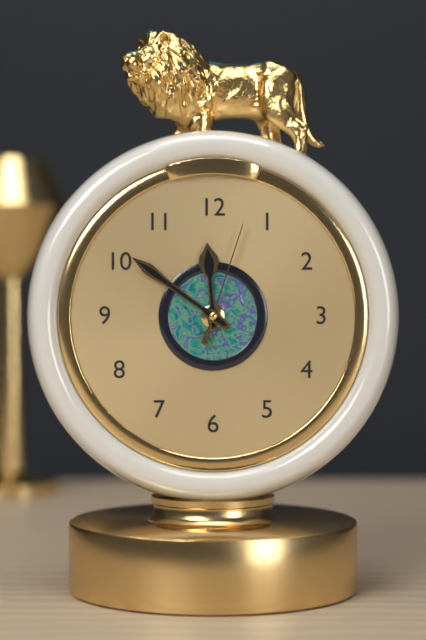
11h51m03s
